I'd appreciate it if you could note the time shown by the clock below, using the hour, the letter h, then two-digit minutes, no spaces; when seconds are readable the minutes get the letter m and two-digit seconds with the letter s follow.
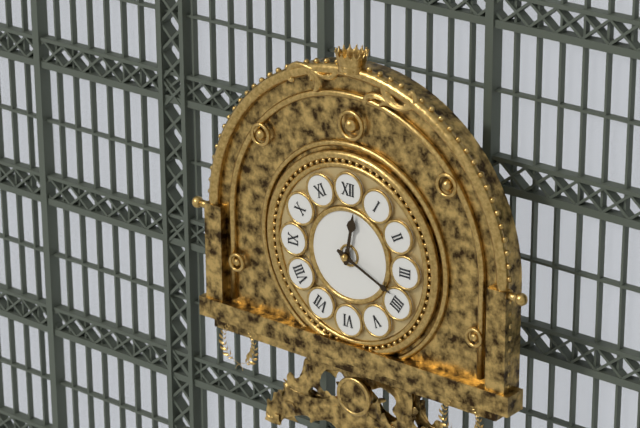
12h19
